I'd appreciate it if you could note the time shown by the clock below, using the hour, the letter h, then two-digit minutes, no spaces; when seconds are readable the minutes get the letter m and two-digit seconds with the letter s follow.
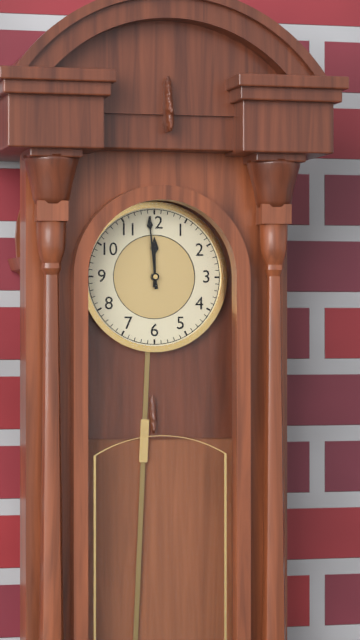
11h59
